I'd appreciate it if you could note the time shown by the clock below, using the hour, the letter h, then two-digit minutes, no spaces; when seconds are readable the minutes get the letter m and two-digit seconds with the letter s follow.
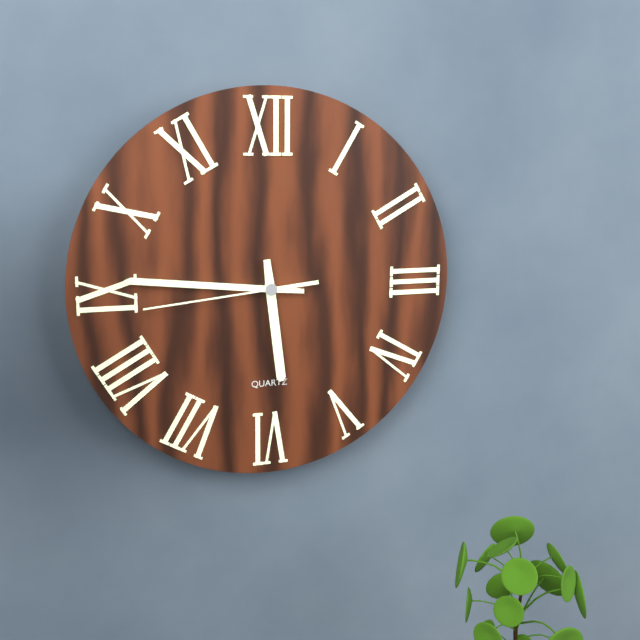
5h46m44s
